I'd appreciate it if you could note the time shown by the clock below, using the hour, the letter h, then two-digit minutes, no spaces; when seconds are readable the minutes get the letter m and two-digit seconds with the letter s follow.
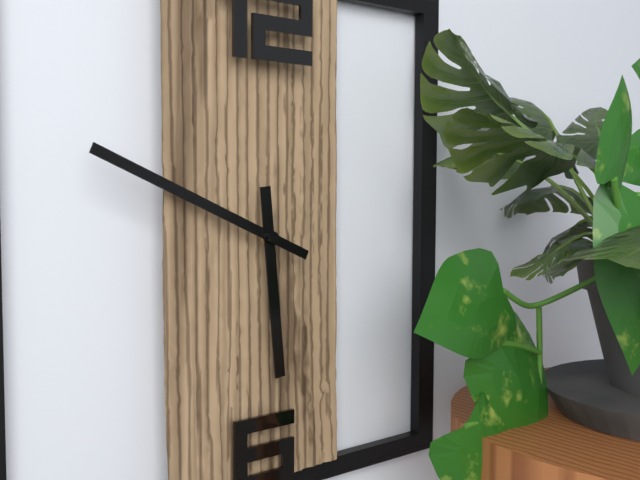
5h49
